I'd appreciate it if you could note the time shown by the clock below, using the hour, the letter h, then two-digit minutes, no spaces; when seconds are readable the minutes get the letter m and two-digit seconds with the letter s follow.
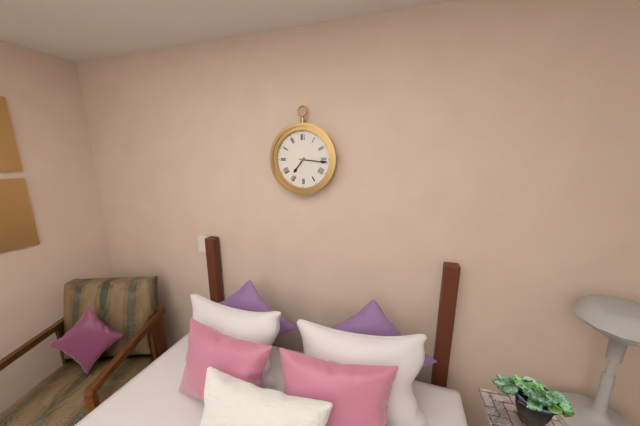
7h16
